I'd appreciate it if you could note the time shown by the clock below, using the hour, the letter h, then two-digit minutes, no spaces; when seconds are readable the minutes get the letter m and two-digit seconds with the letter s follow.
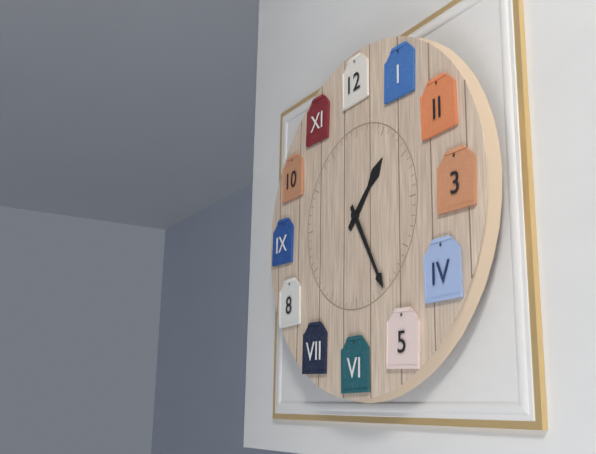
1h25
